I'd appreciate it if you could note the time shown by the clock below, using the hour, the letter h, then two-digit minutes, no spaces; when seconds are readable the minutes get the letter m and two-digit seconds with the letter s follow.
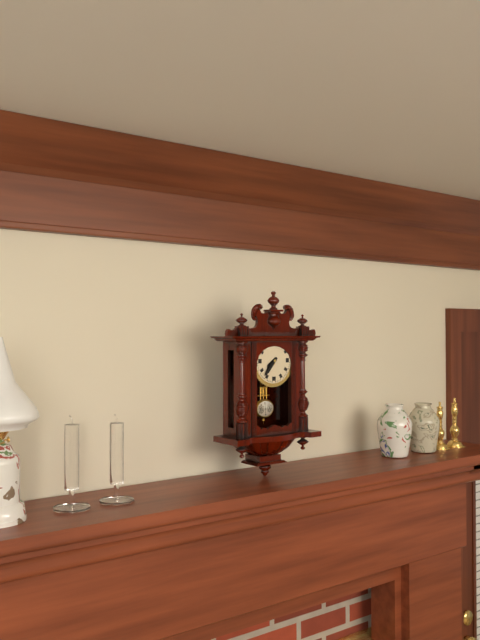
7h37
